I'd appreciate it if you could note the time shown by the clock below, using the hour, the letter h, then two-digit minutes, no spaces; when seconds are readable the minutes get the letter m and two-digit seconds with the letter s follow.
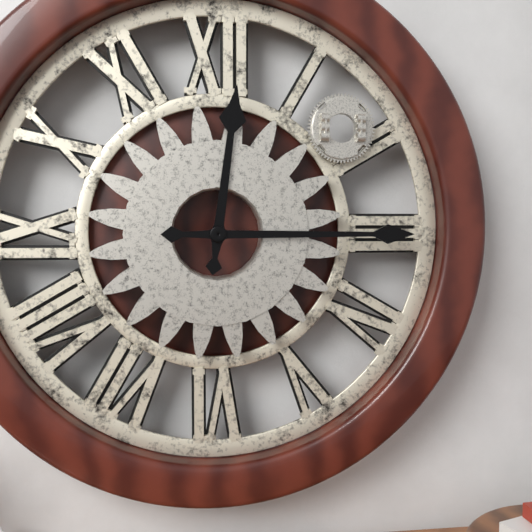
12h15
